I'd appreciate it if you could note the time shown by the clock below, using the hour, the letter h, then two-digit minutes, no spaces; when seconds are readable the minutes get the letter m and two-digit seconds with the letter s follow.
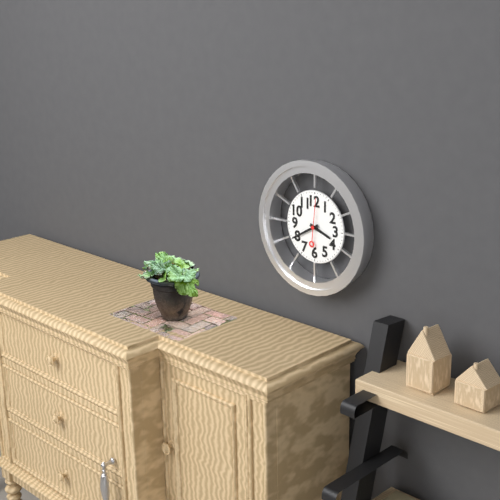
3h40
